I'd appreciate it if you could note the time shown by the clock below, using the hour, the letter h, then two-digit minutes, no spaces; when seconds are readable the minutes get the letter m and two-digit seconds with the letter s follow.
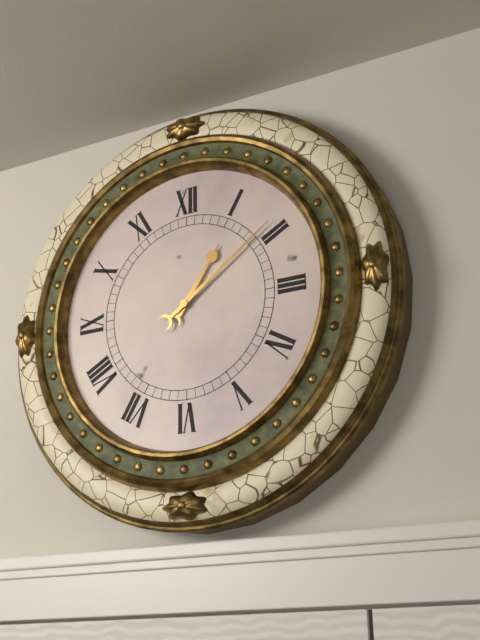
1h09
